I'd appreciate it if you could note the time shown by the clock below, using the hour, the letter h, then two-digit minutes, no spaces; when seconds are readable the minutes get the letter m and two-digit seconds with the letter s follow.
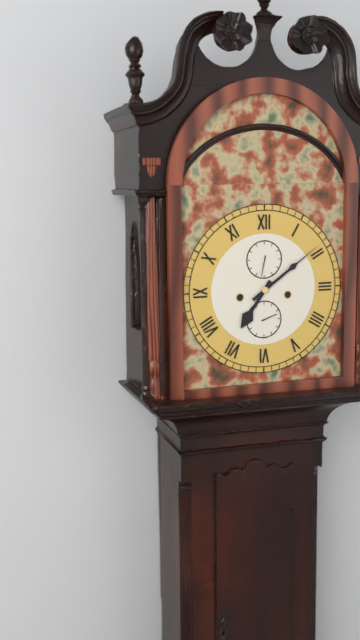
7h09
